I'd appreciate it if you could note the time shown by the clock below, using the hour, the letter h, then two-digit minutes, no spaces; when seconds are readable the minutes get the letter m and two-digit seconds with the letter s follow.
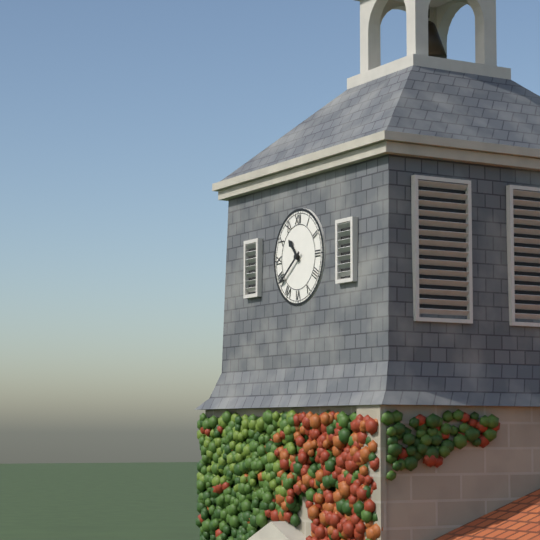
10h39
